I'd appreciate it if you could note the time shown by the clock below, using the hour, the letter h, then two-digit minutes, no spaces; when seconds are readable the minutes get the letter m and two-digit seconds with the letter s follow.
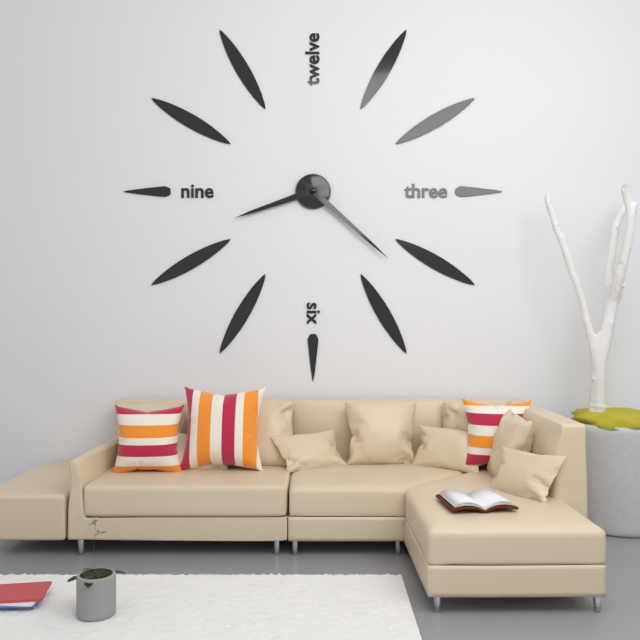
8h22
